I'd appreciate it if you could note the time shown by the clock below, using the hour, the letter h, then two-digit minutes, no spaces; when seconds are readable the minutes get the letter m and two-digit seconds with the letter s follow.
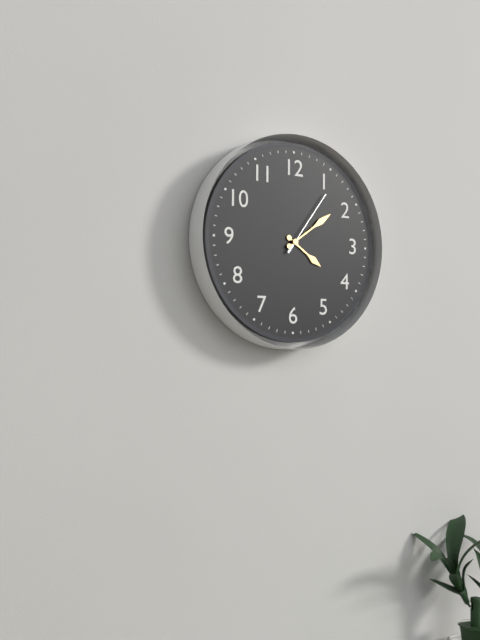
4h09m06s
